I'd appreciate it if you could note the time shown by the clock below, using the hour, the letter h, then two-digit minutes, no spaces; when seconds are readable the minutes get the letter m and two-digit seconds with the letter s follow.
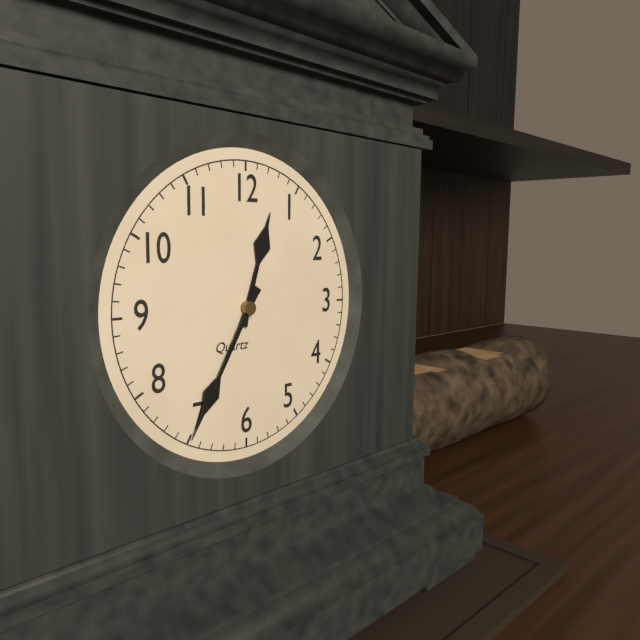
12h35
